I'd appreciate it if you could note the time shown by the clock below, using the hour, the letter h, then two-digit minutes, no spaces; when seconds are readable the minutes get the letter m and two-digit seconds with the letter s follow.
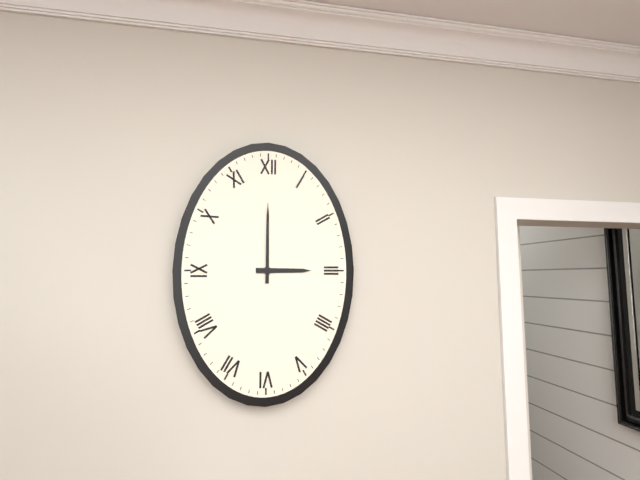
3h00
